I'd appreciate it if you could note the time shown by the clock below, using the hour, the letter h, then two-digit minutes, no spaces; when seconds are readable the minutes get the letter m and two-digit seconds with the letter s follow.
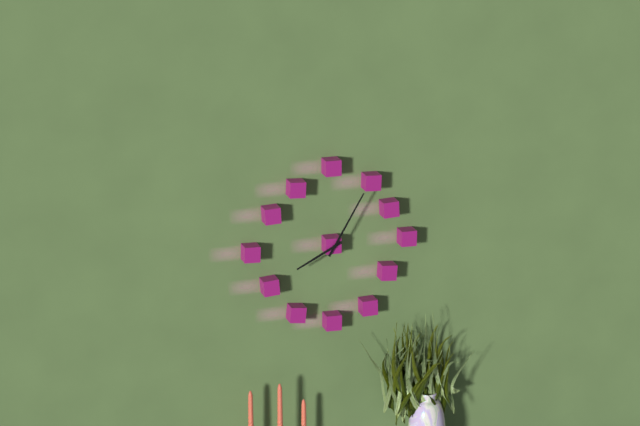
8h05
